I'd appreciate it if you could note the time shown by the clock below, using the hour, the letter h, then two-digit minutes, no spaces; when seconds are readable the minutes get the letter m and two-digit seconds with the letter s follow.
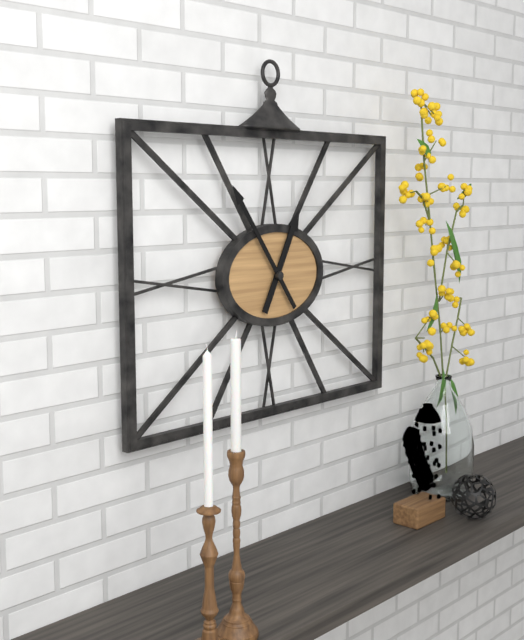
12h54
